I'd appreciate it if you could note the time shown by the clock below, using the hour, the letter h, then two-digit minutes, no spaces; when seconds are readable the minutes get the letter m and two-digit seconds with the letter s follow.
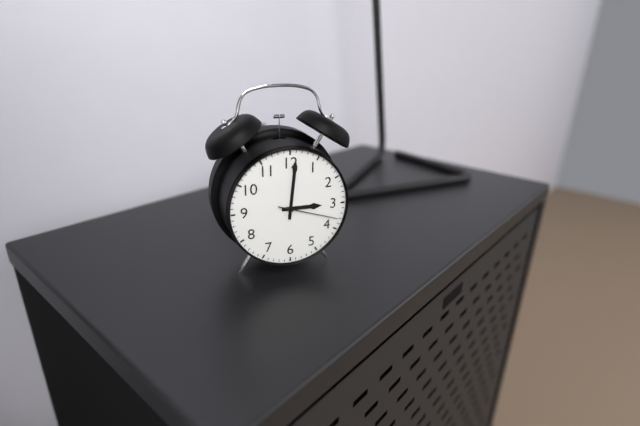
3h01m18s
